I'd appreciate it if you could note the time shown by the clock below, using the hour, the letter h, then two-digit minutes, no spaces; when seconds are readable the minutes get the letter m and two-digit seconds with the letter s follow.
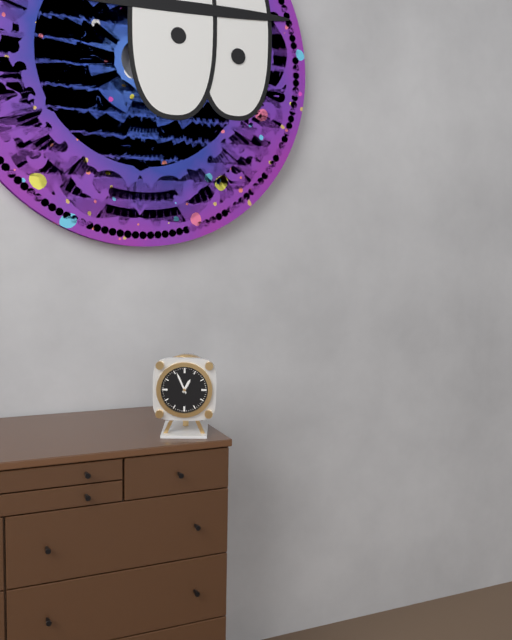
12h56
